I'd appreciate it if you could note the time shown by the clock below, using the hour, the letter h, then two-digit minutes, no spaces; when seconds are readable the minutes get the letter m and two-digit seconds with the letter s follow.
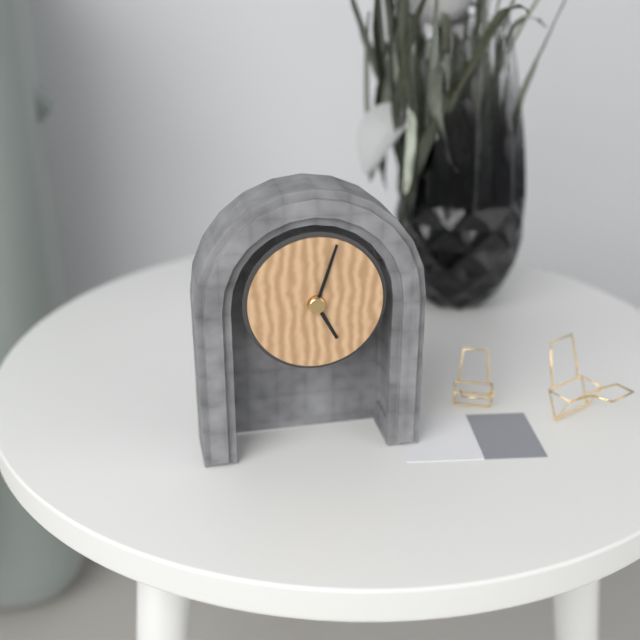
5h03
